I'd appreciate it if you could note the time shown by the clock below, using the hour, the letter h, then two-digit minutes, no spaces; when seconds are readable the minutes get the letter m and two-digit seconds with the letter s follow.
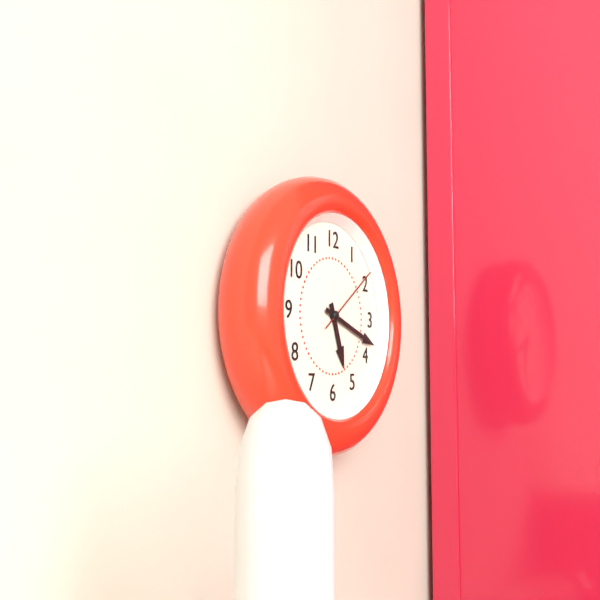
5h18m09s
